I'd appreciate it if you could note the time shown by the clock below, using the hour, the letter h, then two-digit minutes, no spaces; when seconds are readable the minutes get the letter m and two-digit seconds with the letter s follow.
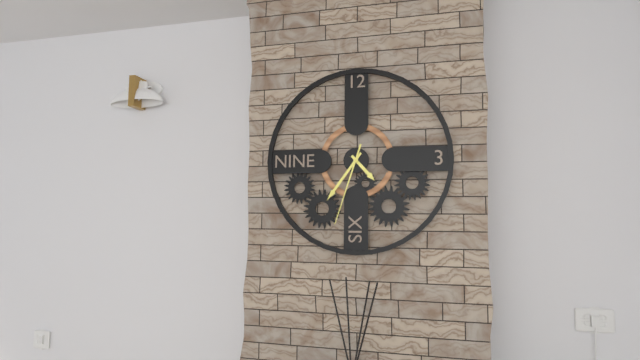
4h36m33s
